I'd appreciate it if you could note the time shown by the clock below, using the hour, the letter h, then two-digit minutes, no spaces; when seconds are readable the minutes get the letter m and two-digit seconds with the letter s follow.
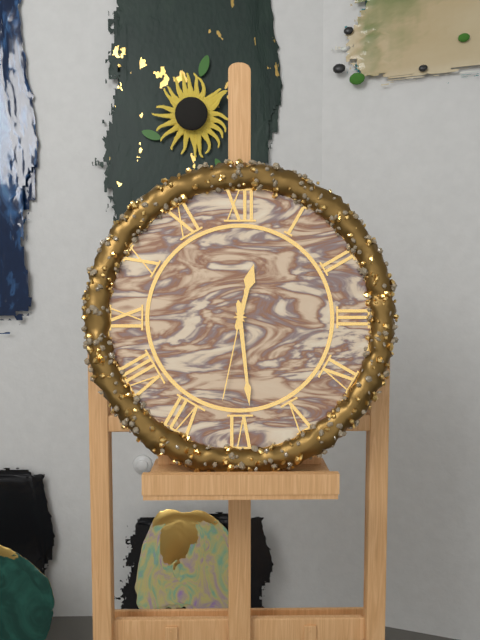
12h29m32s
